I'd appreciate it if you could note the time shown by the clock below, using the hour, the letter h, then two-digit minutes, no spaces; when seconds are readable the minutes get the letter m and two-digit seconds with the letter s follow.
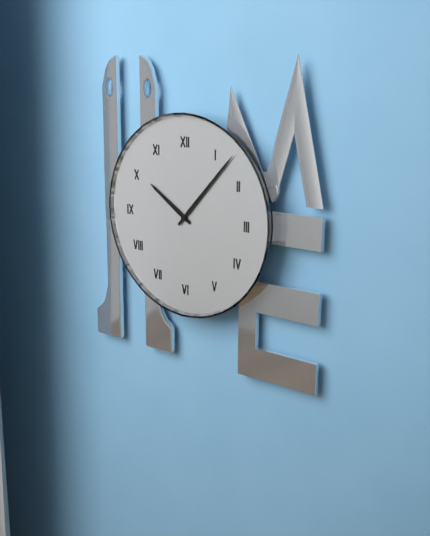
10h07
